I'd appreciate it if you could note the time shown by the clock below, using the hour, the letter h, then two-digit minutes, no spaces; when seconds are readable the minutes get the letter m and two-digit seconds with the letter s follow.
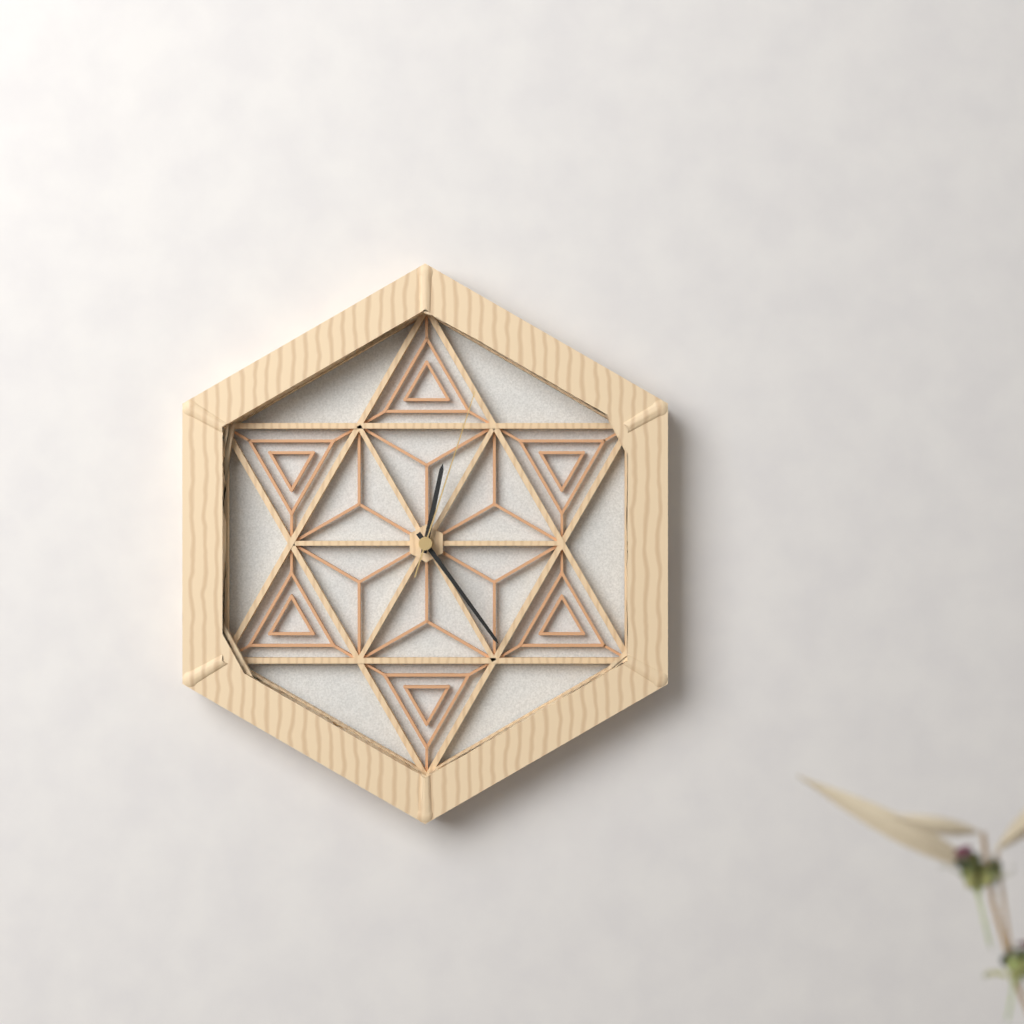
12h24m03s
